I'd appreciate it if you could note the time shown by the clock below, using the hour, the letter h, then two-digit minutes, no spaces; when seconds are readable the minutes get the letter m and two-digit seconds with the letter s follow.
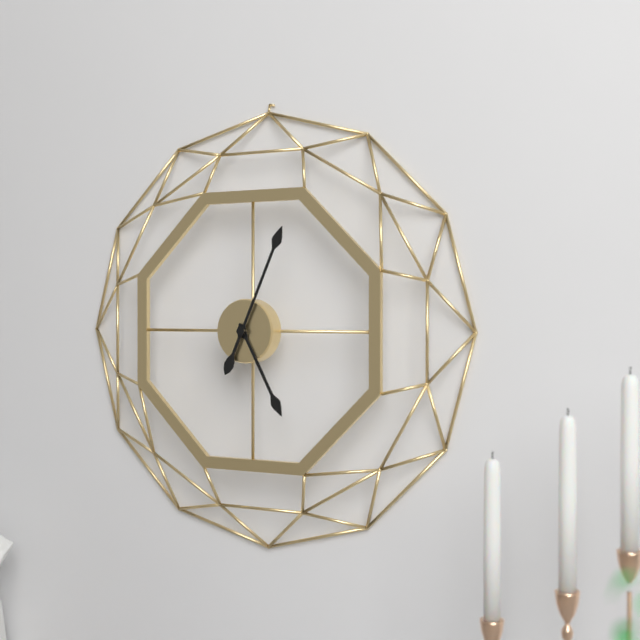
5h04
